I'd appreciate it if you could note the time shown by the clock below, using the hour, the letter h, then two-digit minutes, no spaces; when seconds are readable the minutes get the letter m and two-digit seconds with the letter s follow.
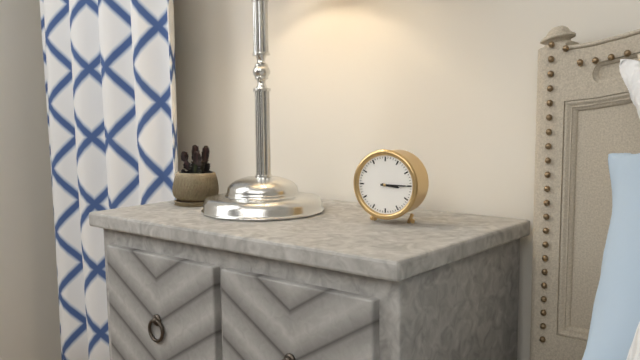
3h15
